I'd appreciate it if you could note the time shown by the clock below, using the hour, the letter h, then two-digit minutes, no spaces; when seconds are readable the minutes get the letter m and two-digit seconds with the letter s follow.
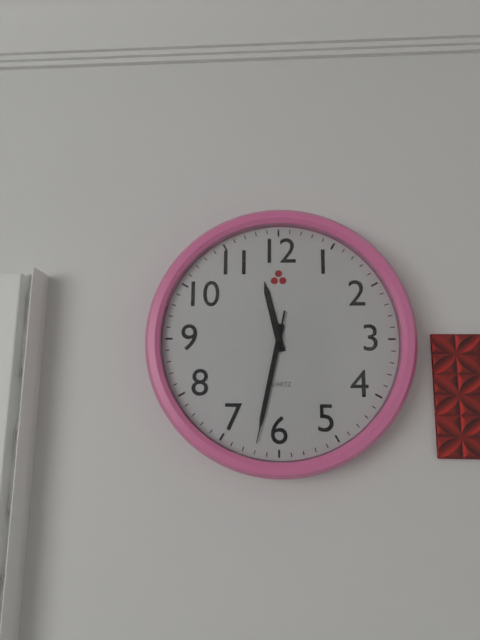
11h32m32s
